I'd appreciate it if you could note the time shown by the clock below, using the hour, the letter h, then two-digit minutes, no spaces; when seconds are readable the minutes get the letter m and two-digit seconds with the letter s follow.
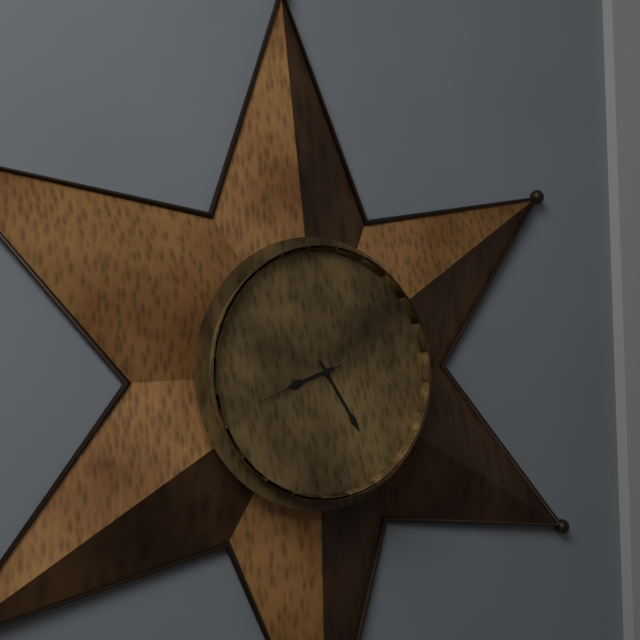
8h25m42s
